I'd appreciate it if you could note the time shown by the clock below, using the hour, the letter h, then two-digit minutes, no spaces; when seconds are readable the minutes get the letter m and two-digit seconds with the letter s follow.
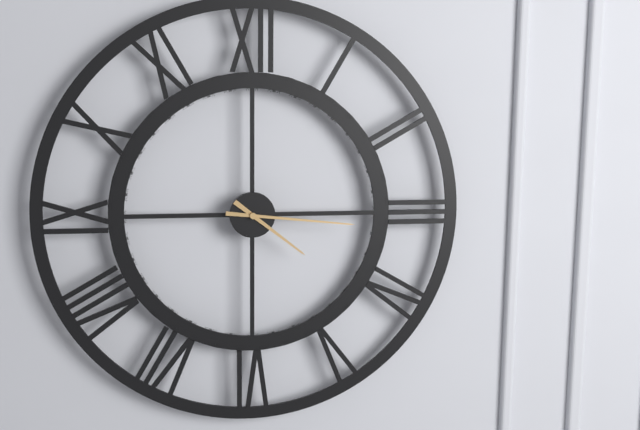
4h16
